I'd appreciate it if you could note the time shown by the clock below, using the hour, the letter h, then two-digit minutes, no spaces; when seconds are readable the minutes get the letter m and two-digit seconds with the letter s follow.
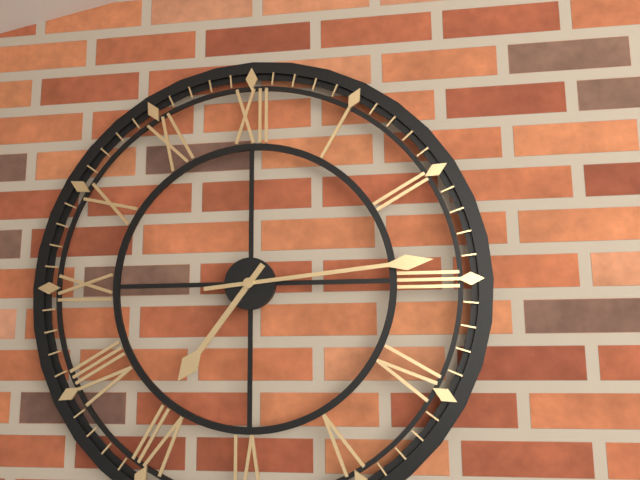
7h14
